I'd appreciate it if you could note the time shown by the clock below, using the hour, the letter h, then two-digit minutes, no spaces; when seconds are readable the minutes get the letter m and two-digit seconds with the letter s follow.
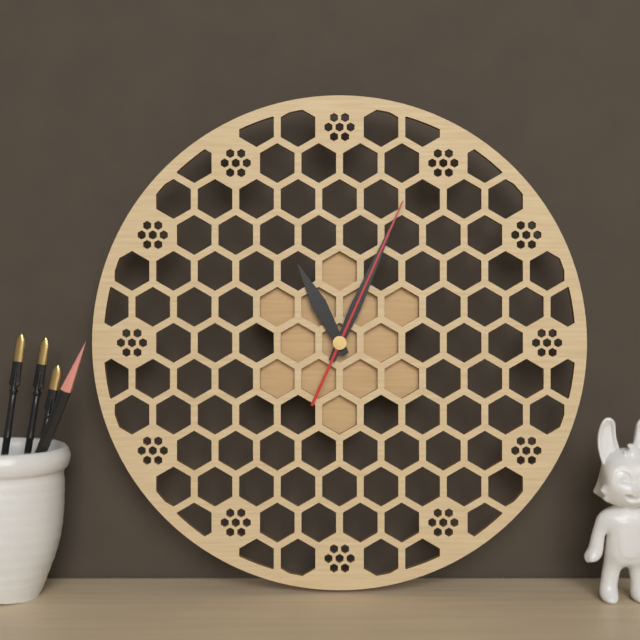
11h04m04s
